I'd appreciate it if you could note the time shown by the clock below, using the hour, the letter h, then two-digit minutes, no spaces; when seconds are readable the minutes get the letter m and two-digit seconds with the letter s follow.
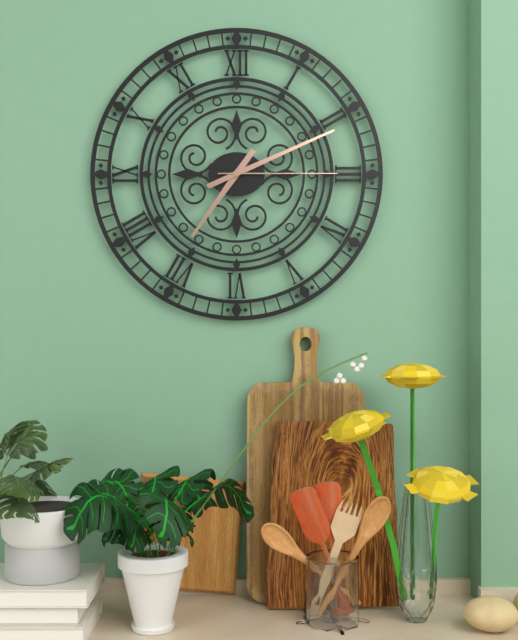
7h11m15s
